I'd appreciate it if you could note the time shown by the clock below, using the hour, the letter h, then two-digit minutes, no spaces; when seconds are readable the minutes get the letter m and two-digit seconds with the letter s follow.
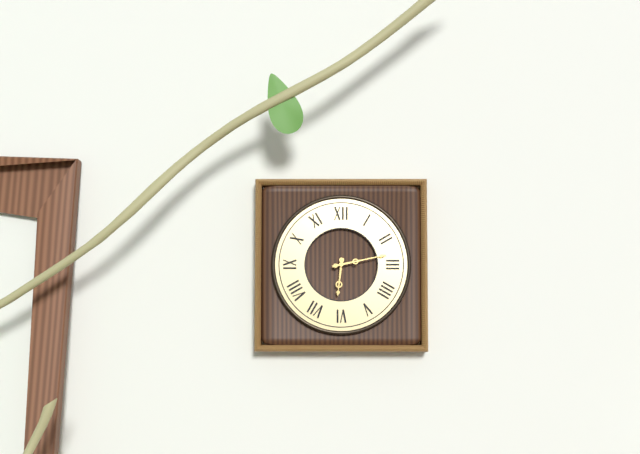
6h13
